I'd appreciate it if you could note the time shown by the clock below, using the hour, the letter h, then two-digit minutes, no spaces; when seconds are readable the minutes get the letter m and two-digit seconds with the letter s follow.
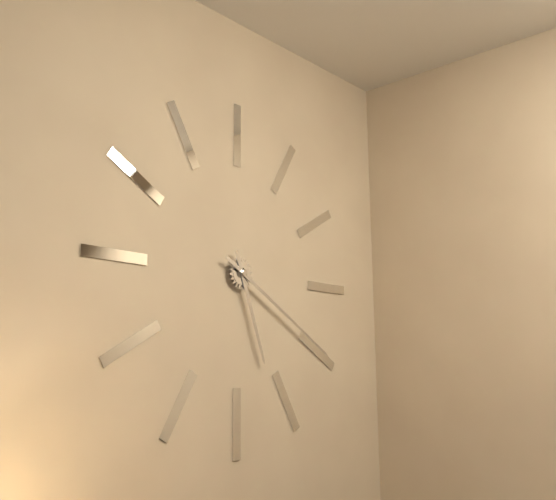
5h20
